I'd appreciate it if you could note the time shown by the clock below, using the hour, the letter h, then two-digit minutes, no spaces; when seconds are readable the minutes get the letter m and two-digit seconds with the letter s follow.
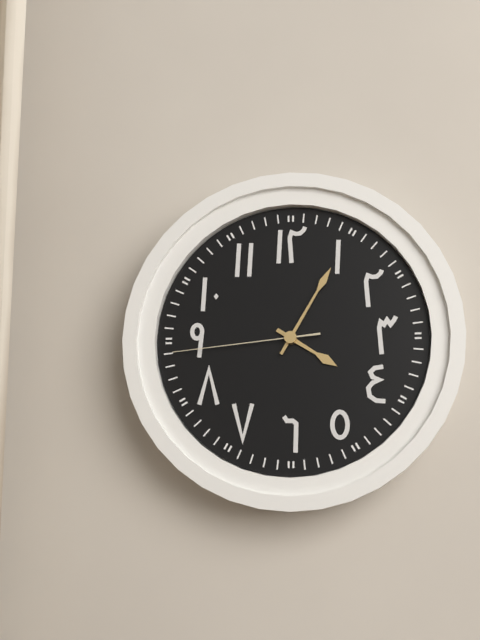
4h05m44s
